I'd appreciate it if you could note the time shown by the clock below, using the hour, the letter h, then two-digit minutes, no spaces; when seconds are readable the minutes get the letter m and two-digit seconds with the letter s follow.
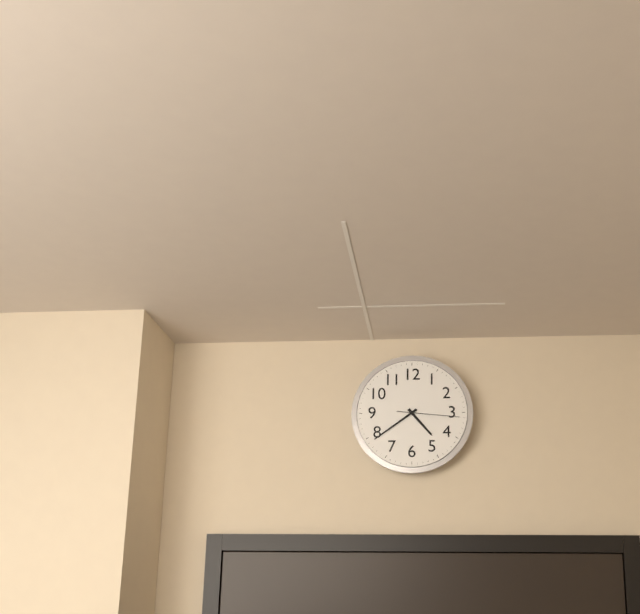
4h39m16s
